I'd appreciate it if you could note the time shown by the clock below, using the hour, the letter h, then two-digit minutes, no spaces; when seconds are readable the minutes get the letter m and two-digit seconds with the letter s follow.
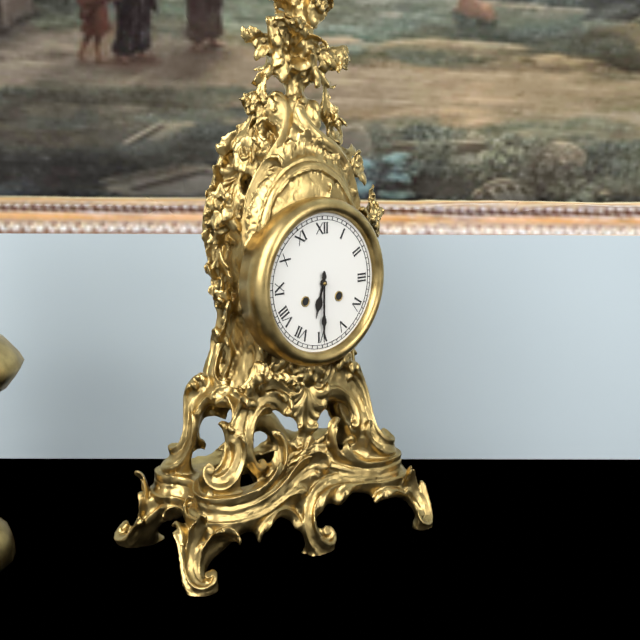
6h30
